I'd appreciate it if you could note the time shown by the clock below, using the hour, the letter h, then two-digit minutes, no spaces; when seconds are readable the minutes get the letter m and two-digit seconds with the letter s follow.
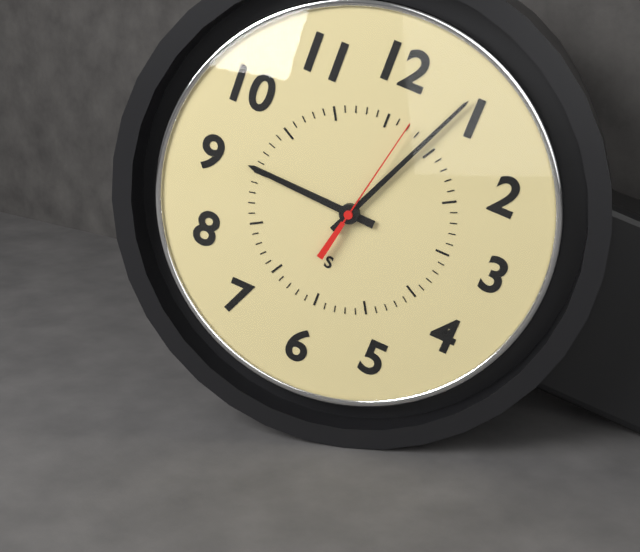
9h04m02s
